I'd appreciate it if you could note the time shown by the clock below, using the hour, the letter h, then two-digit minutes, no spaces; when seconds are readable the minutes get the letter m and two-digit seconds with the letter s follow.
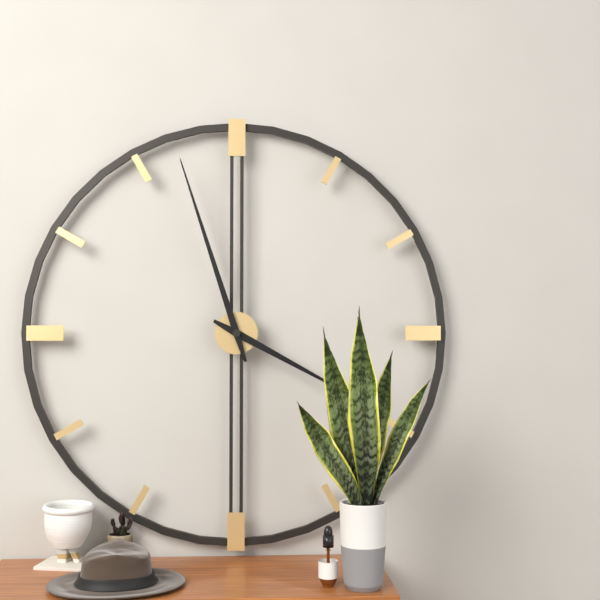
3h57
